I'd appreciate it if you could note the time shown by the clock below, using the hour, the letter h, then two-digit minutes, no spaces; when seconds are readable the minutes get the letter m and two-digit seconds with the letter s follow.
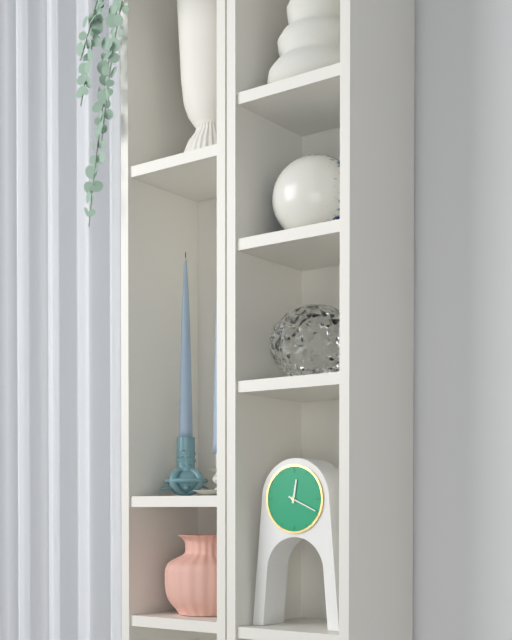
12h19
